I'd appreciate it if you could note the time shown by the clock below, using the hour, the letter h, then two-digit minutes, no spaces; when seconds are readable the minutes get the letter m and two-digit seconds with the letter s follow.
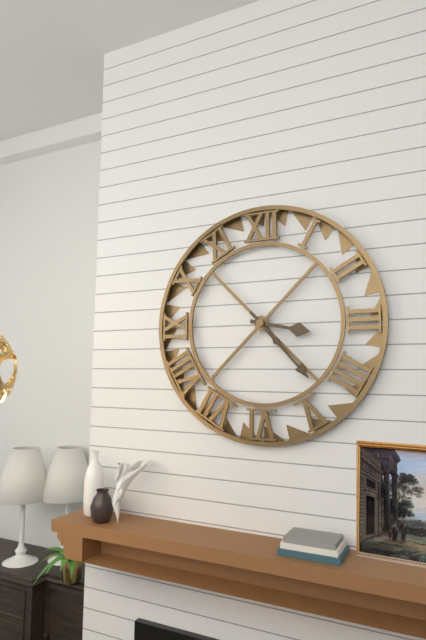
3h23
